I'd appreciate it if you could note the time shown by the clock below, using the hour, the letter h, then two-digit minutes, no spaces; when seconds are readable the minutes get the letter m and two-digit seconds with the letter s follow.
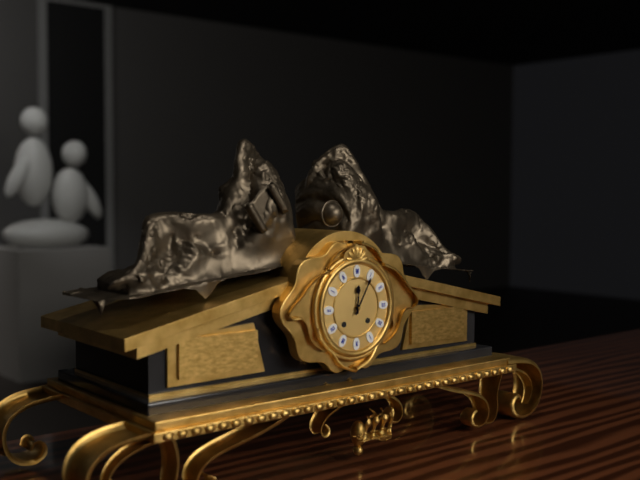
12h05
